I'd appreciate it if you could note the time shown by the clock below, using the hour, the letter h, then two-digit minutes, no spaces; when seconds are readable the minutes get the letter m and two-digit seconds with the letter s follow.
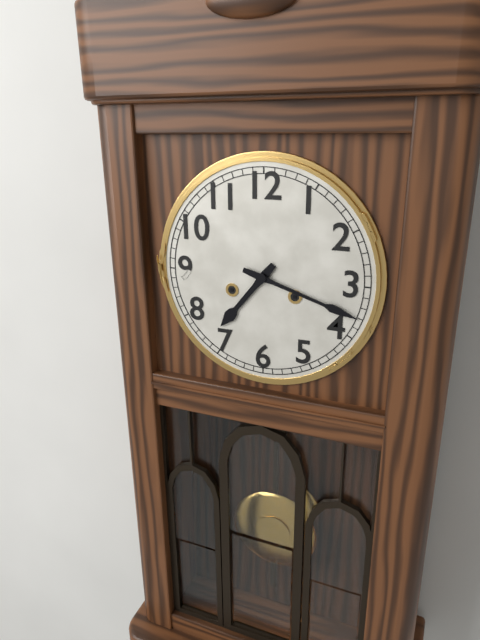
7h18
